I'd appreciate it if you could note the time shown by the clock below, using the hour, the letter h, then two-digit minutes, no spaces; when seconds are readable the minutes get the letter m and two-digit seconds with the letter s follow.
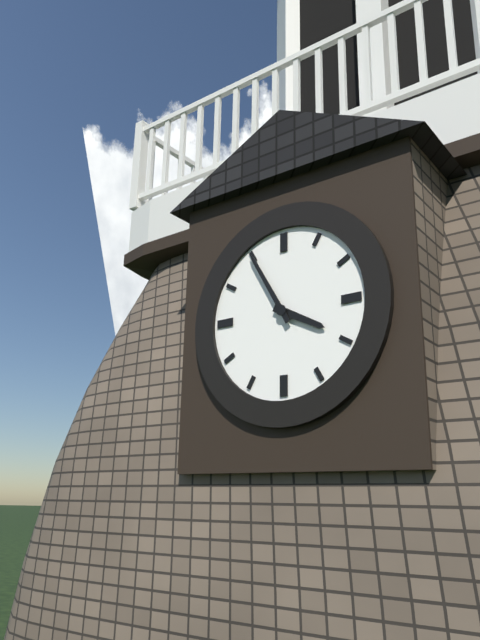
3h55
